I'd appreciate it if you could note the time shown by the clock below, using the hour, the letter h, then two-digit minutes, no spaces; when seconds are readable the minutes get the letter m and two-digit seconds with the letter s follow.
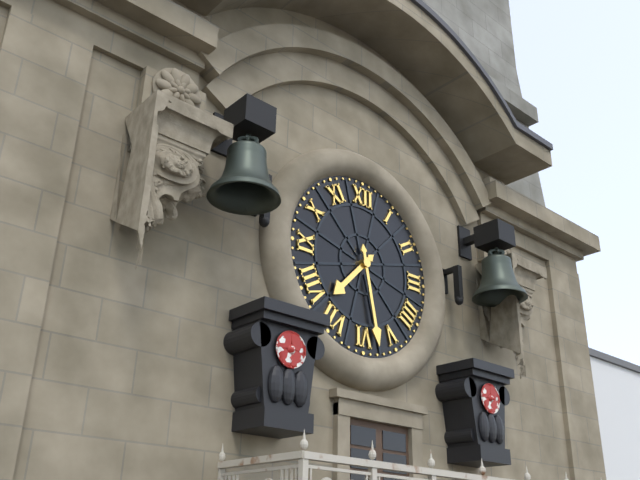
7h28
